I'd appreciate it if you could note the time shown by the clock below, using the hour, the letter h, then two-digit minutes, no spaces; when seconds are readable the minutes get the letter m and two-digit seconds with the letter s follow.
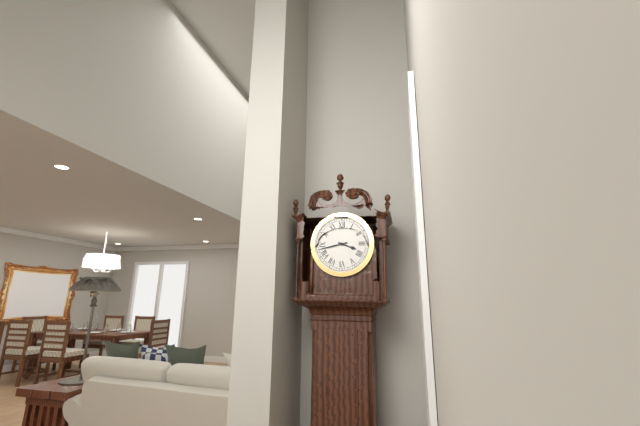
3h43
